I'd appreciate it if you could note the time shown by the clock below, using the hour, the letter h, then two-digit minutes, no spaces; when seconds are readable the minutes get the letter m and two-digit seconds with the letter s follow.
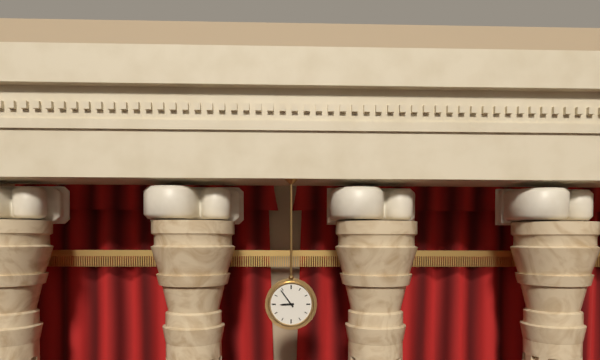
8h54
